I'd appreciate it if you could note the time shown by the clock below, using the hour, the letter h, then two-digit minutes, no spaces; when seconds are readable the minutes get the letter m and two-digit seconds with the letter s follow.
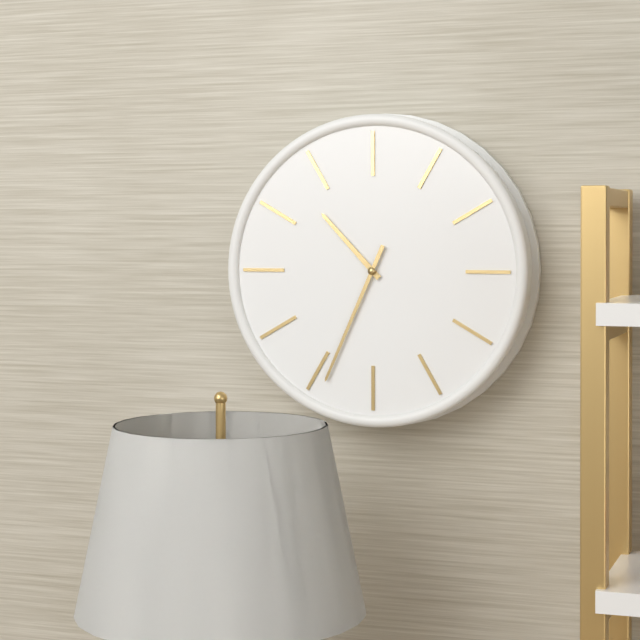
10h34
